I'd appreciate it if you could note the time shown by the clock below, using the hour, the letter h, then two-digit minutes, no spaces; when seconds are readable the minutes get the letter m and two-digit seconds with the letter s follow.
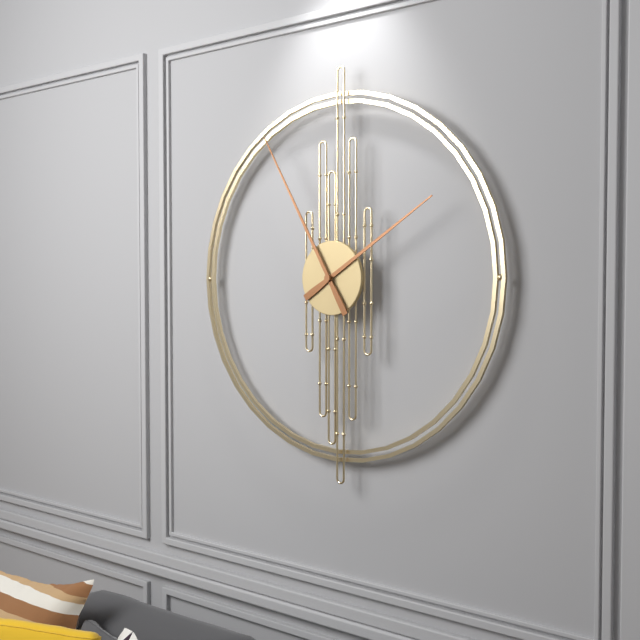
1h55
